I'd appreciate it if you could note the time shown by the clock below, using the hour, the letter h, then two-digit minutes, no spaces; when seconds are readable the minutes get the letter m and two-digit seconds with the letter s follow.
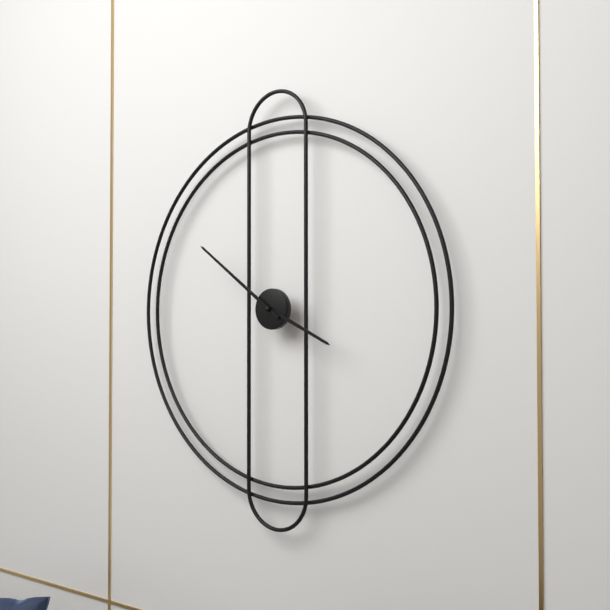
3h51
